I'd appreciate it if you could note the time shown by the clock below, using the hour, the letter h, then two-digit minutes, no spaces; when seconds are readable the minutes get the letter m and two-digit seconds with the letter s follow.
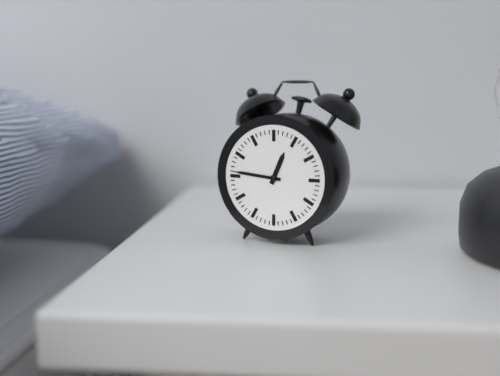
12h46
